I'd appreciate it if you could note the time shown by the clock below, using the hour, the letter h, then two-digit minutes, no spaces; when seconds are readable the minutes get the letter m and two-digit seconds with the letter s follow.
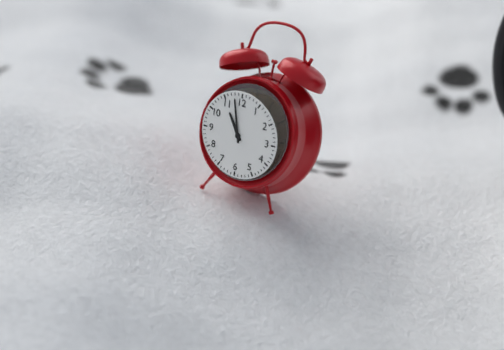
10h58
